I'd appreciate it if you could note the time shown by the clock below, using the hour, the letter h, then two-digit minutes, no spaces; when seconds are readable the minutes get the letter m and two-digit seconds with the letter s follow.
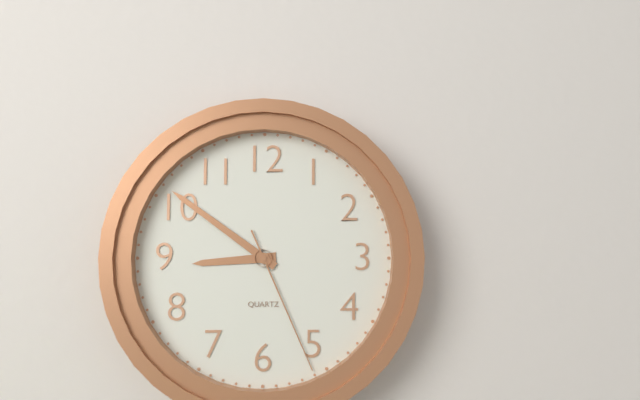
8h51m26s
